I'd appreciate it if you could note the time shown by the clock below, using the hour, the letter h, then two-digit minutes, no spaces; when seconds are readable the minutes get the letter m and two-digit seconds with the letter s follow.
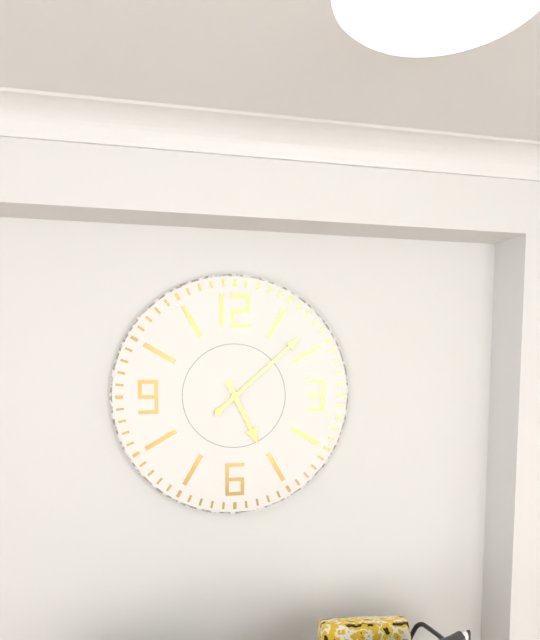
5h08
